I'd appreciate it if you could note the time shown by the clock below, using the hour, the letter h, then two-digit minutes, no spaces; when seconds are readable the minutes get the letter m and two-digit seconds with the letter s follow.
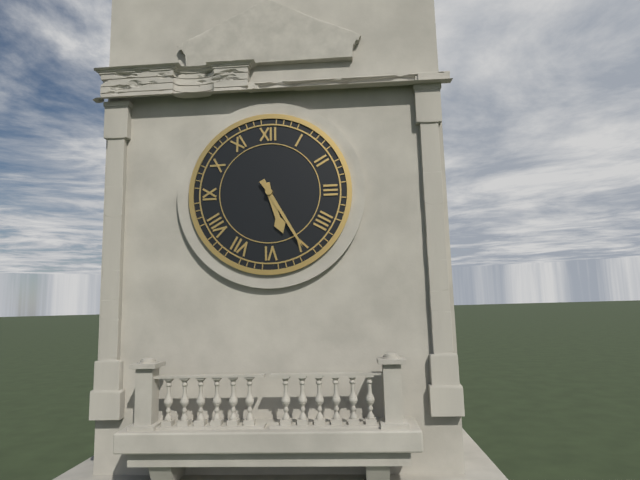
5h25
